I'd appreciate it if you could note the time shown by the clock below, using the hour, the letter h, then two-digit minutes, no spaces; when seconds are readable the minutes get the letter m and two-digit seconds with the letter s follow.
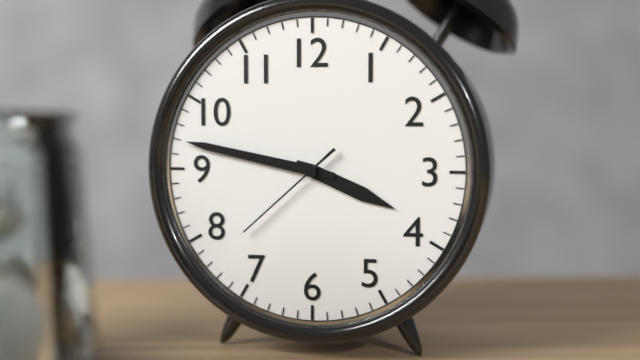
3h47m38s
